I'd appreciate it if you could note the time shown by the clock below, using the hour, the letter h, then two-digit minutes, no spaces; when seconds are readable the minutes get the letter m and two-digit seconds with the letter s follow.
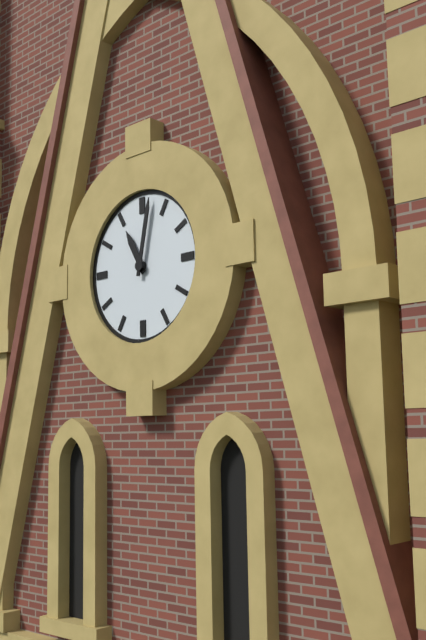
11h02
